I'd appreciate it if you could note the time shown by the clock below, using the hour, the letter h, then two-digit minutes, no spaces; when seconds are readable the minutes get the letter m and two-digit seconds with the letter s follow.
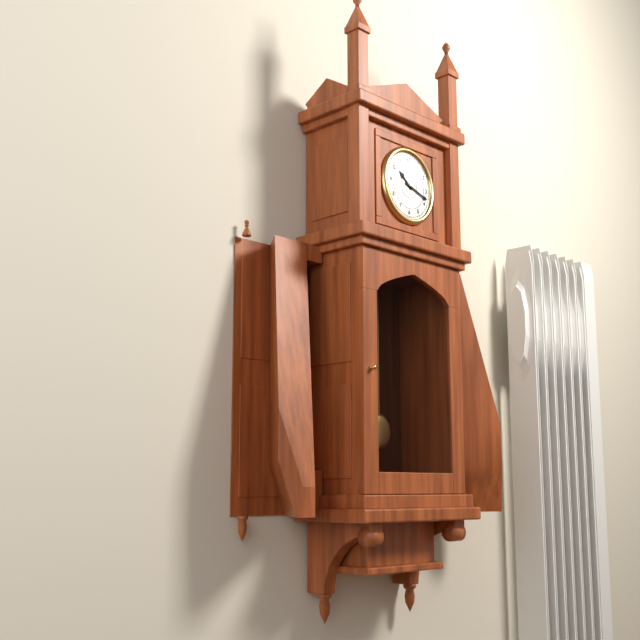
10h18
